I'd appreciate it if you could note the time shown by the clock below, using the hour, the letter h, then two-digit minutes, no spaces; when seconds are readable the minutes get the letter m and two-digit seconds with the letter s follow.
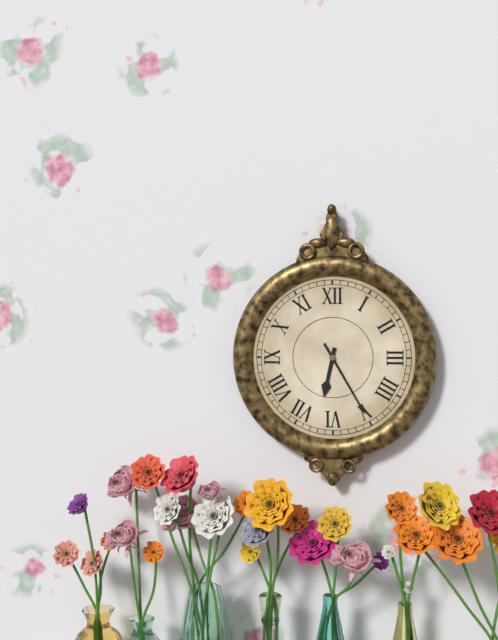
6h25
